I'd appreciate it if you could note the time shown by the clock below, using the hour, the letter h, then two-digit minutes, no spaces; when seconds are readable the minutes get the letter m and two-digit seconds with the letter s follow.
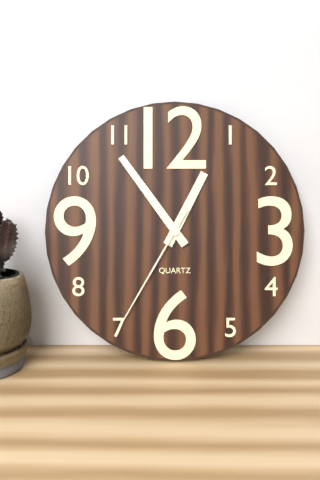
12h54m35s
